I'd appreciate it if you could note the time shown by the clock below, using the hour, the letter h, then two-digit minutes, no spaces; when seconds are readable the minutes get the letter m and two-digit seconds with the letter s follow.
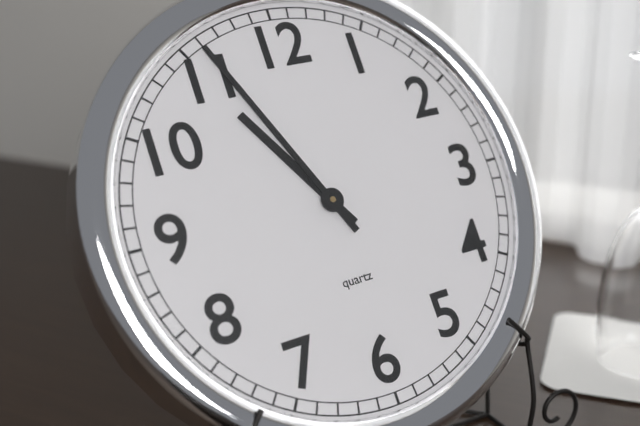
10h56
